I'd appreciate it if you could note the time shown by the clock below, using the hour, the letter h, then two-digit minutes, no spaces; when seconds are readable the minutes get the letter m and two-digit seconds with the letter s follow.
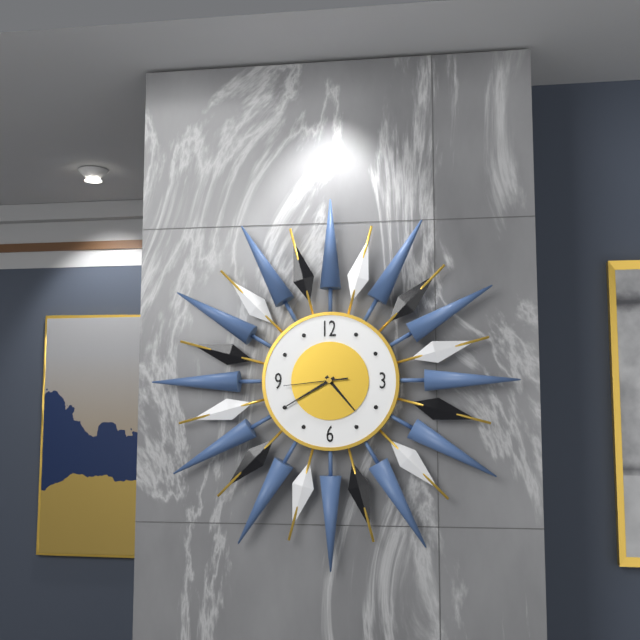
4h40m44s
